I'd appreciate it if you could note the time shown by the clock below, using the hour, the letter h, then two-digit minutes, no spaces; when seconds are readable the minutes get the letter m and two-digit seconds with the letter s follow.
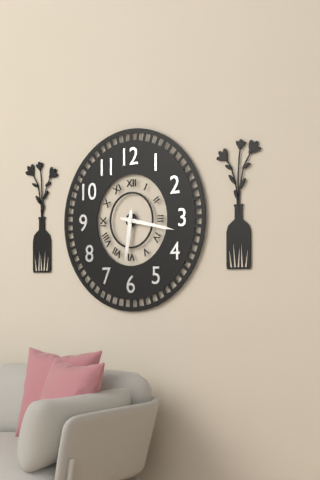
6h17
